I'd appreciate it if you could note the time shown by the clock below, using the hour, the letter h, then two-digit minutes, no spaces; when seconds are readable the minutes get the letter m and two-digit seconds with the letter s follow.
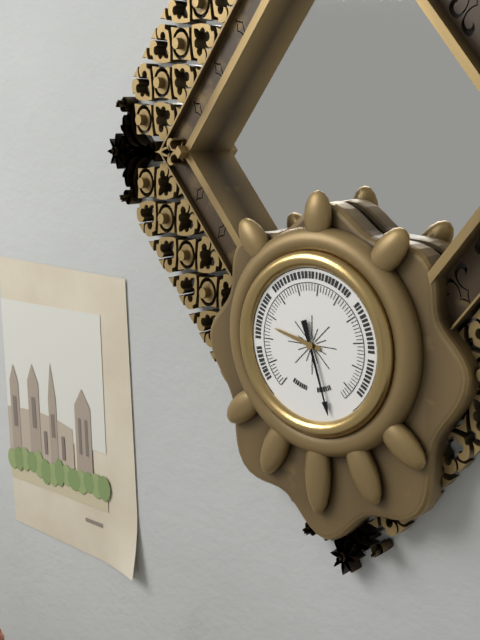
9h27
